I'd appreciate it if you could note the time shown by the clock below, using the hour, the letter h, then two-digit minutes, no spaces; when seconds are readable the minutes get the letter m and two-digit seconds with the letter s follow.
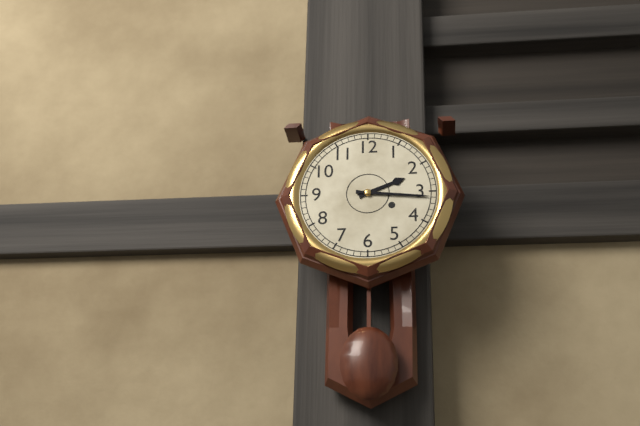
2h16
